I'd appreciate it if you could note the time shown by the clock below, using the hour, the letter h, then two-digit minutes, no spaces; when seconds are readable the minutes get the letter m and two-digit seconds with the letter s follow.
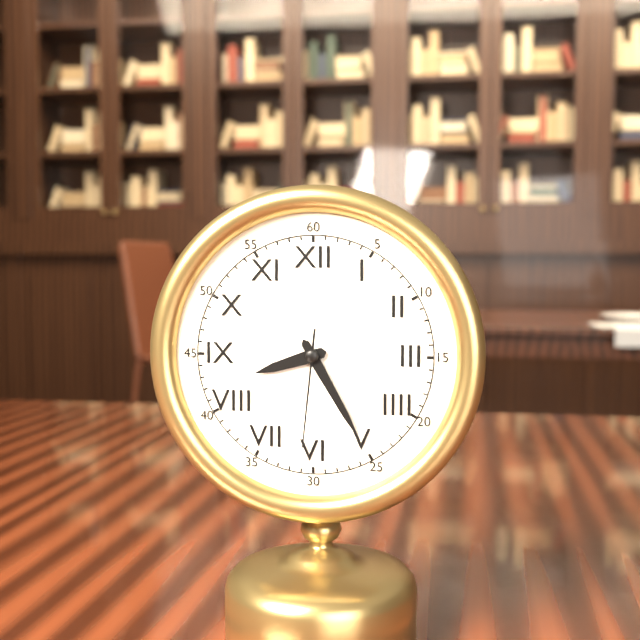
8h25m31s
